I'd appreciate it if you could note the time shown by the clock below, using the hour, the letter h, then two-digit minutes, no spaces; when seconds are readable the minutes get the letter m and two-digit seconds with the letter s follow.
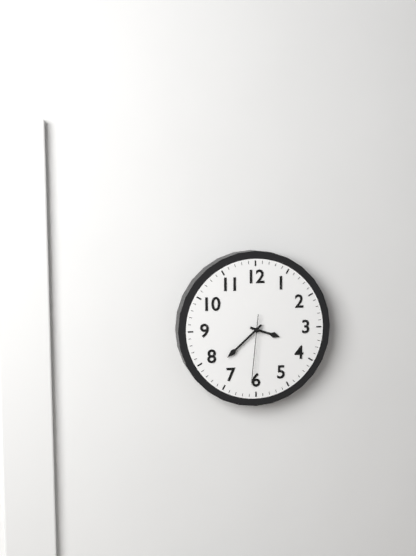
3h38m31s
